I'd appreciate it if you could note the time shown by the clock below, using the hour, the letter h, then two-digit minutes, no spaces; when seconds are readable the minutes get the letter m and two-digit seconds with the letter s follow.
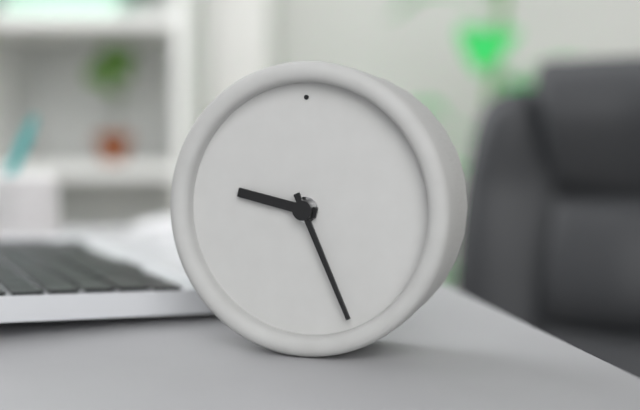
9h26
